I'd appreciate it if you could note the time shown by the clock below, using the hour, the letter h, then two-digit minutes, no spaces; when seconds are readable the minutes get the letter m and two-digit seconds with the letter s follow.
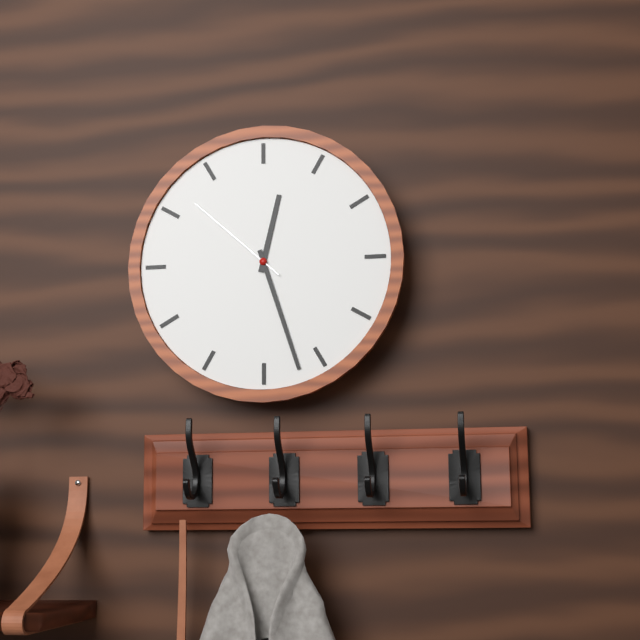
12h27m52s
